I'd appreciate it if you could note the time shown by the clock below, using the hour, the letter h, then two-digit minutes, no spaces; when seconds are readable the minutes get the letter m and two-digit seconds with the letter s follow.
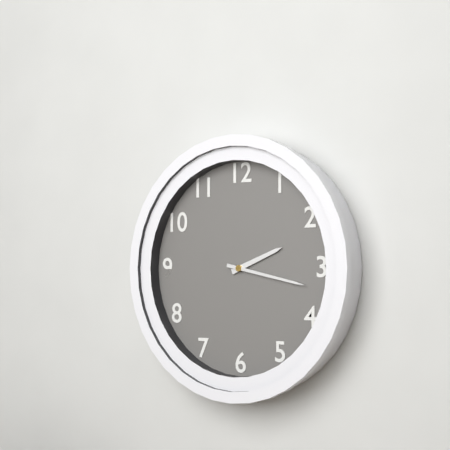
2h17
